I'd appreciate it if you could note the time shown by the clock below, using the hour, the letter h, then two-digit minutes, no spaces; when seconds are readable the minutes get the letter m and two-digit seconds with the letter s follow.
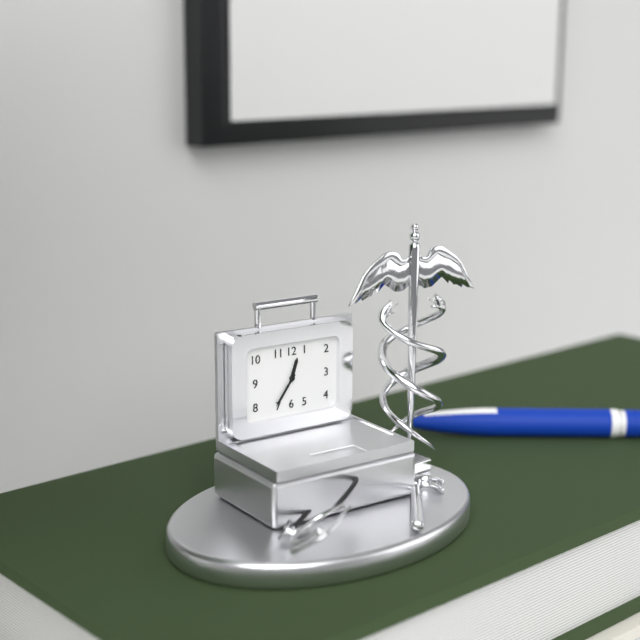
12h36
